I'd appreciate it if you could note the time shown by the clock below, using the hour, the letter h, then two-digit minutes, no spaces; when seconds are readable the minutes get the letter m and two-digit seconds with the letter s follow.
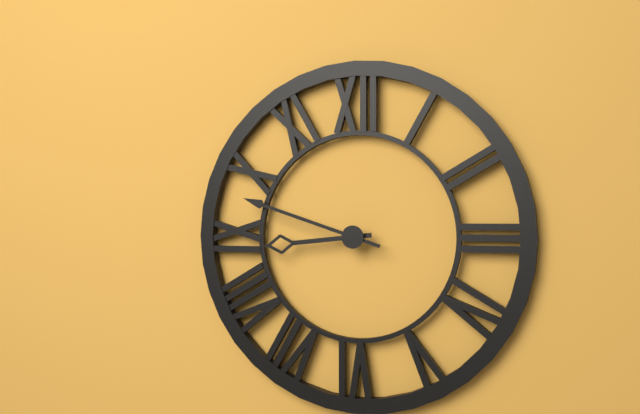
8h48
